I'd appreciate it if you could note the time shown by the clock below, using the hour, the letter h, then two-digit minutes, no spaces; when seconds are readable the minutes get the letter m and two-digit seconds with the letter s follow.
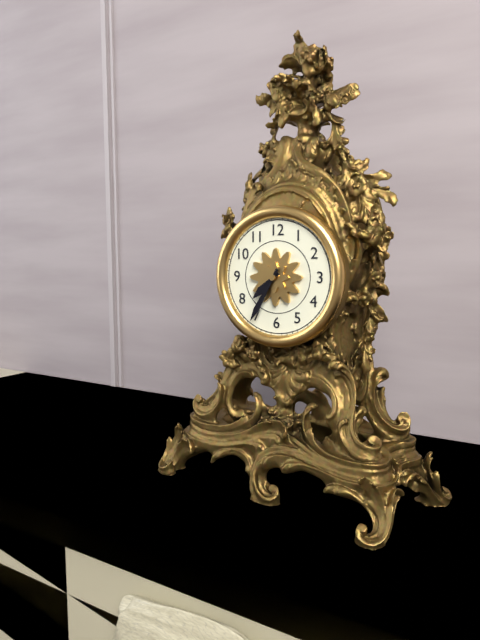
7h35
